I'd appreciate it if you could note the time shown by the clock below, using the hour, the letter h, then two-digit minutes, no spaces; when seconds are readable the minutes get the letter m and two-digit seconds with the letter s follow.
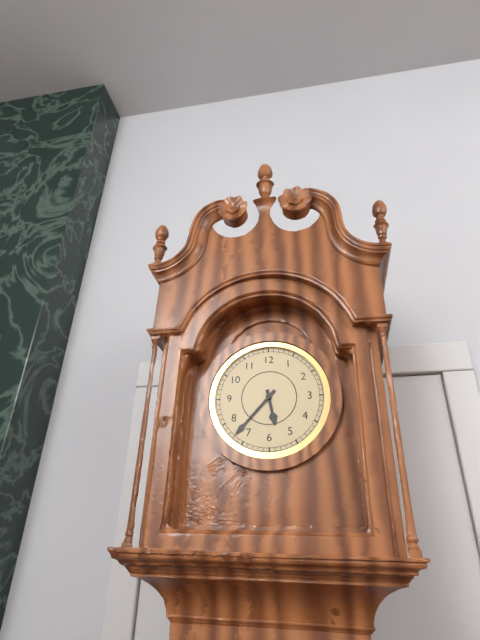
5h37
